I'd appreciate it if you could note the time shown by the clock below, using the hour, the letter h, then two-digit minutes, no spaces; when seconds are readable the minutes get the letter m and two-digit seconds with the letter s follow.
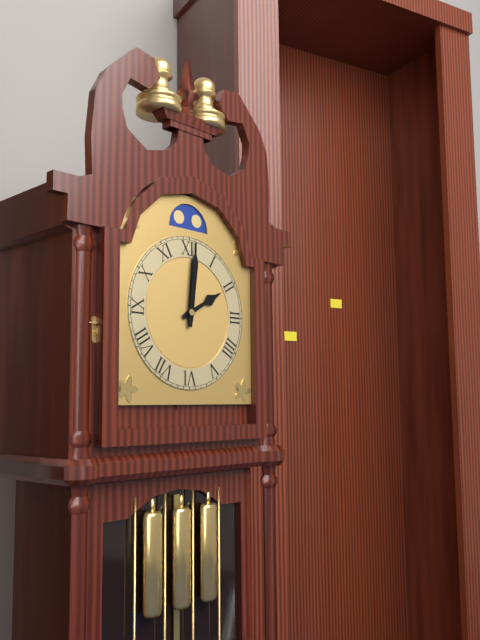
2h01
